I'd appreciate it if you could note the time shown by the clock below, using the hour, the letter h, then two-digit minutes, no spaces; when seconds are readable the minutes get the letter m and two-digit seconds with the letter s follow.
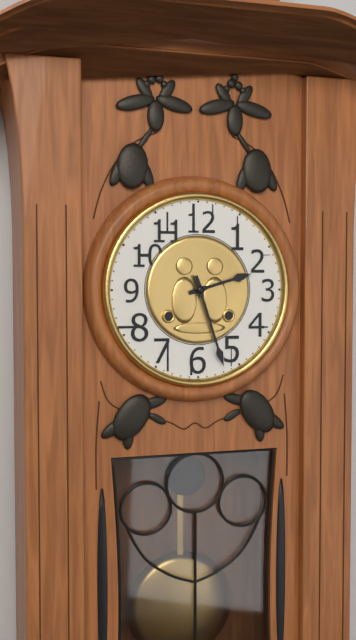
2h27
